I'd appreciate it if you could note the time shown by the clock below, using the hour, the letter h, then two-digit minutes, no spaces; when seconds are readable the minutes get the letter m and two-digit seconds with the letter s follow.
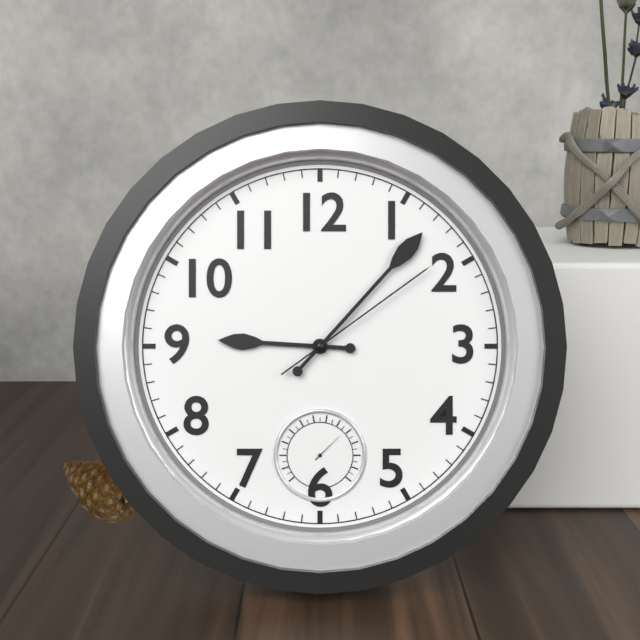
9h07m09s
